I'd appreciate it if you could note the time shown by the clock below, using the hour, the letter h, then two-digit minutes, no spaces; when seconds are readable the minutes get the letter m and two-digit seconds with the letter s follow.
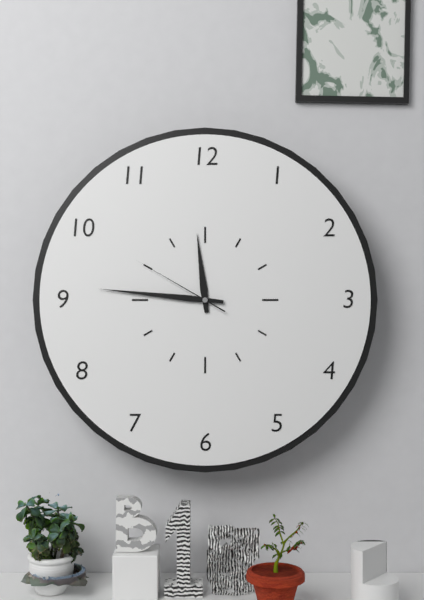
11h46m50s
